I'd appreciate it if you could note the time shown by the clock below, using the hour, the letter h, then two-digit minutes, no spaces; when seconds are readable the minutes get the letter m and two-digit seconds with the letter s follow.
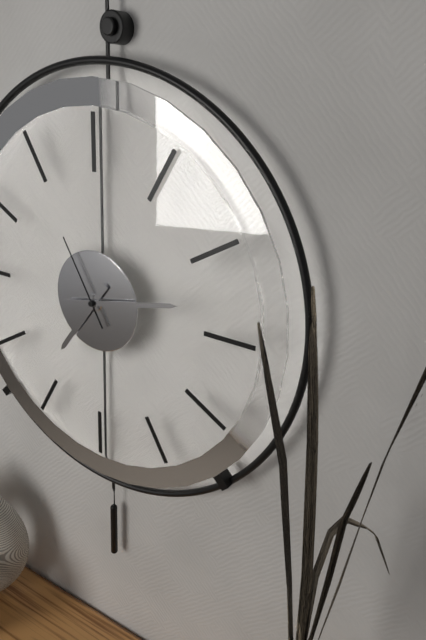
7h13m55s
